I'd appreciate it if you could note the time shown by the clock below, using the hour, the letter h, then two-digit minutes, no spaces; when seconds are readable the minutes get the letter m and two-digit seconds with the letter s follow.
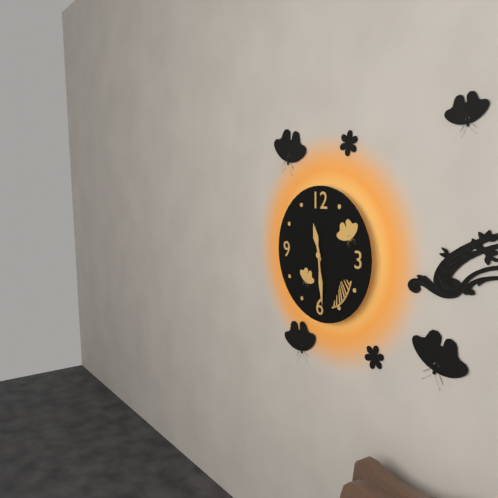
11h29
